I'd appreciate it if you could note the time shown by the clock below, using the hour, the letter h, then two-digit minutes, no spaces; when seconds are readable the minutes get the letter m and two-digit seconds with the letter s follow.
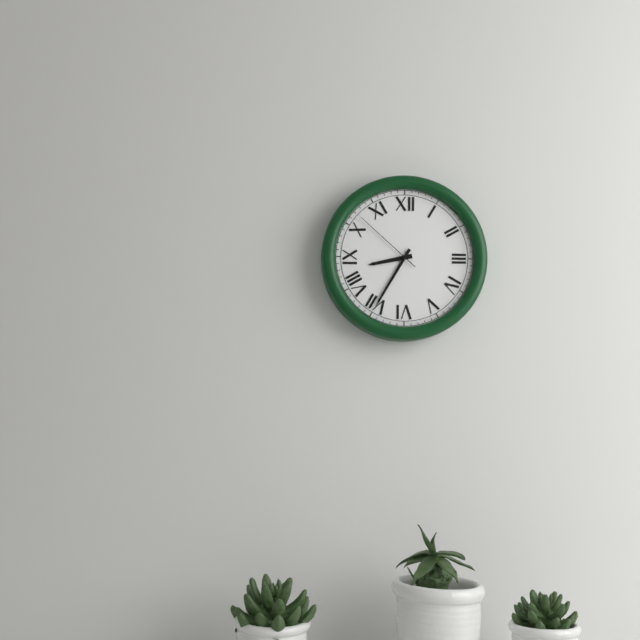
8h35m52s
